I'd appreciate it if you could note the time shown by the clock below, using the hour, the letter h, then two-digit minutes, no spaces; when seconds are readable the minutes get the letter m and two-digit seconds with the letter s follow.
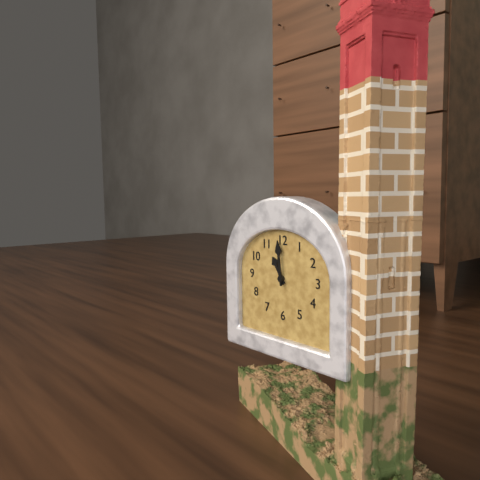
10h59
